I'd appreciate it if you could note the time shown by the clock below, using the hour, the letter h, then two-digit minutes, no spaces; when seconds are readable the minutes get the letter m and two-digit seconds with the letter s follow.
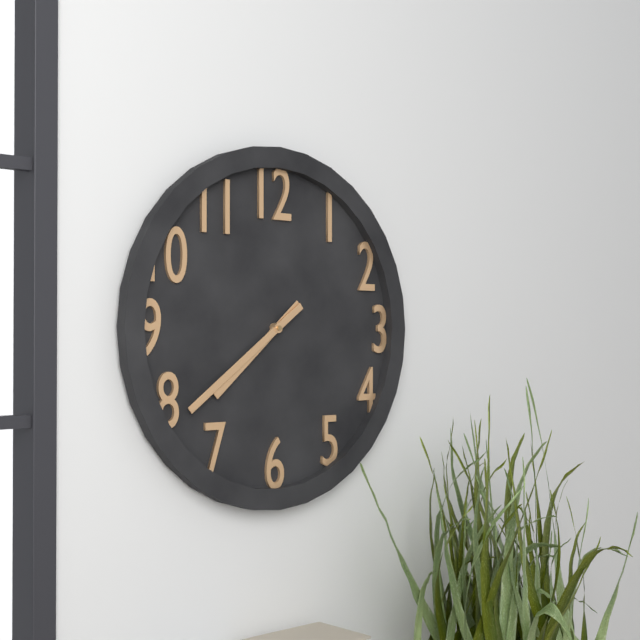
7h39
